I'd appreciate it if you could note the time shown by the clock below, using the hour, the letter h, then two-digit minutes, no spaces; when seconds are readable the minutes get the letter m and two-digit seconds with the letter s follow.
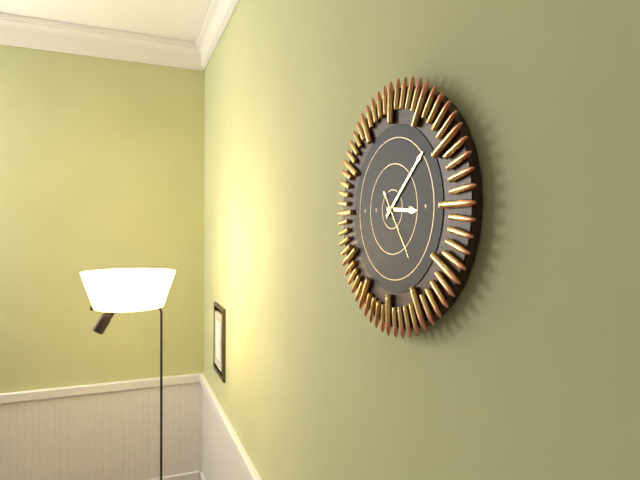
3h08m24s
